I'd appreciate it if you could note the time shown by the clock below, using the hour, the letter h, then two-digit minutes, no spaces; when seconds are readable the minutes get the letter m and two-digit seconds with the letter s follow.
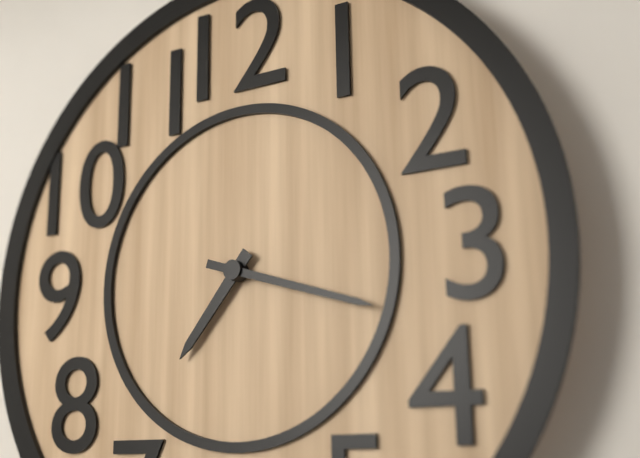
7h18
